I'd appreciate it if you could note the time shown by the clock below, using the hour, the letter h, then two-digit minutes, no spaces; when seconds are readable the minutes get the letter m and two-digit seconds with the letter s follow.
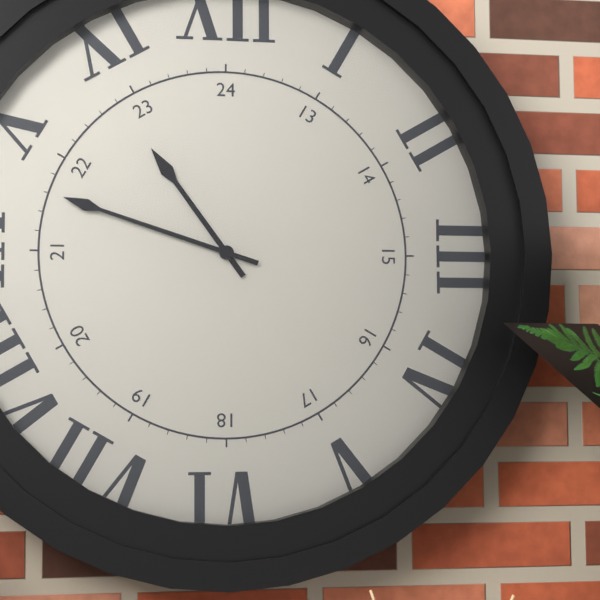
10h48
